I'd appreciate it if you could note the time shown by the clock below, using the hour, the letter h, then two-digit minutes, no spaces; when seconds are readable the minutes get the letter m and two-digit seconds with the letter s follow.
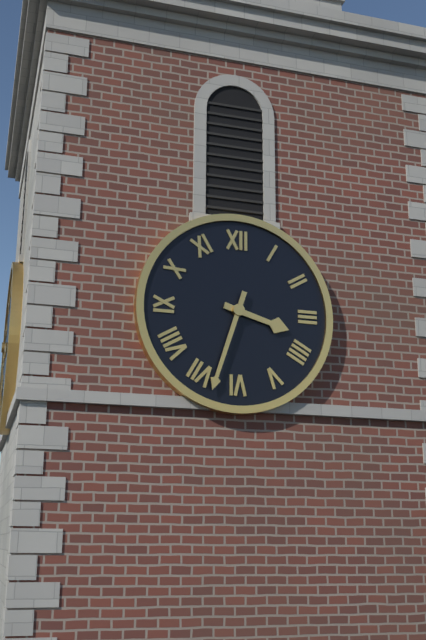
3h33
